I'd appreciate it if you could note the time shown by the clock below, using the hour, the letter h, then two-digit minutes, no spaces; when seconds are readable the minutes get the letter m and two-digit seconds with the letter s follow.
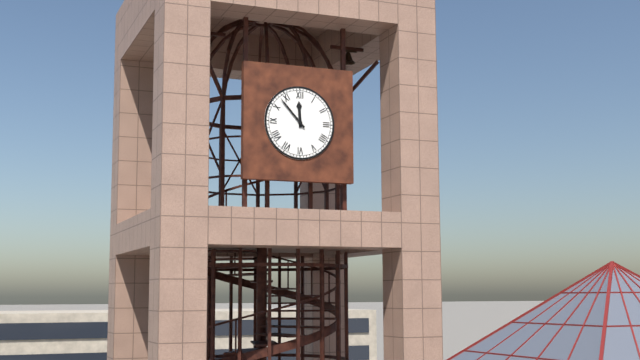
11h53
